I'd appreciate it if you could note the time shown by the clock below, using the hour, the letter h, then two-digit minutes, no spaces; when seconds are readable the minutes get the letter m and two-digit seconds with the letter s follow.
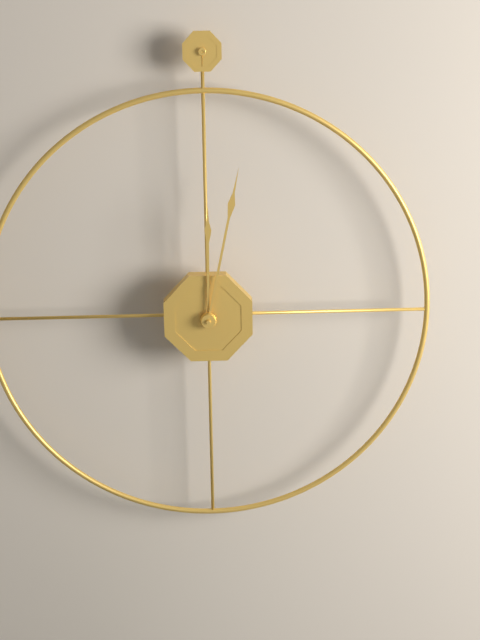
12h02
